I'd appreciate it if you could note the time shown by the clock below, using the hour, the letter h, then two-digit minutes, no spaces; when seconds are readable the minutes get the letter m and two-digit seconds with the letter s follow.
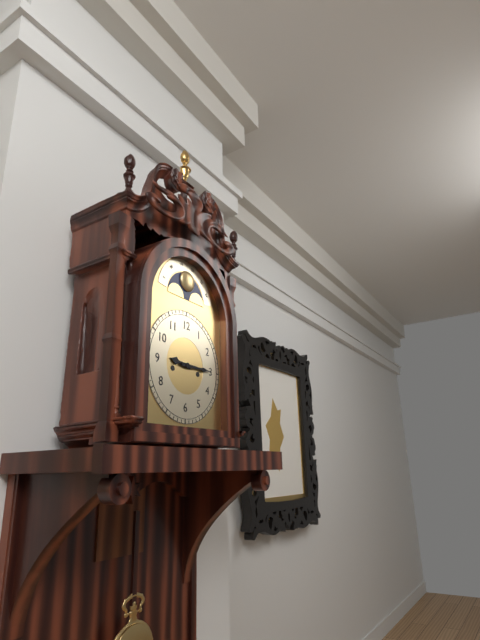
9h15
